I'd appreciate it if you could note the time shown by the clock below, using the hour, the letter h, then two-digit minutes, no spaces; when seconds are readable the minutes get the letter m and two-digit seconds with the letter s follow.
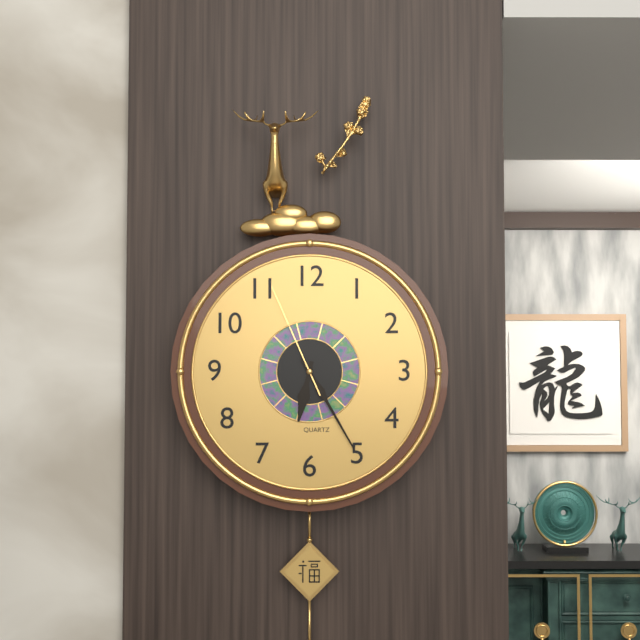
6h25m56s
